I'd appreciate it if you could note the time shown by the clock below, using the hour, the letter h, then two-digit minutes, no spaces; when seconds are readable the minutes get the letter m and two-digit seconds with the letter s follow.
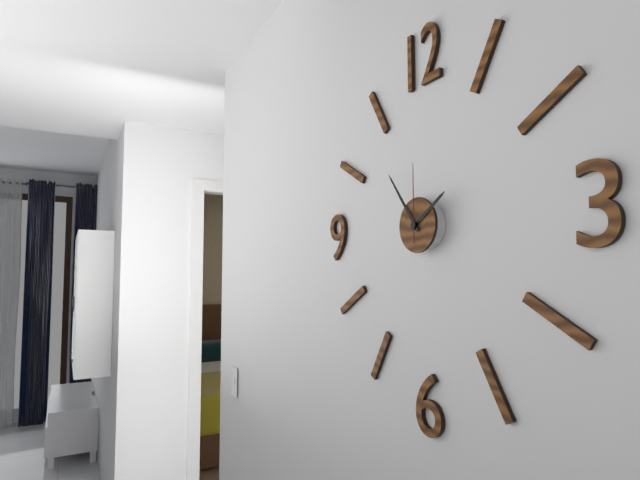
1h54m00s
